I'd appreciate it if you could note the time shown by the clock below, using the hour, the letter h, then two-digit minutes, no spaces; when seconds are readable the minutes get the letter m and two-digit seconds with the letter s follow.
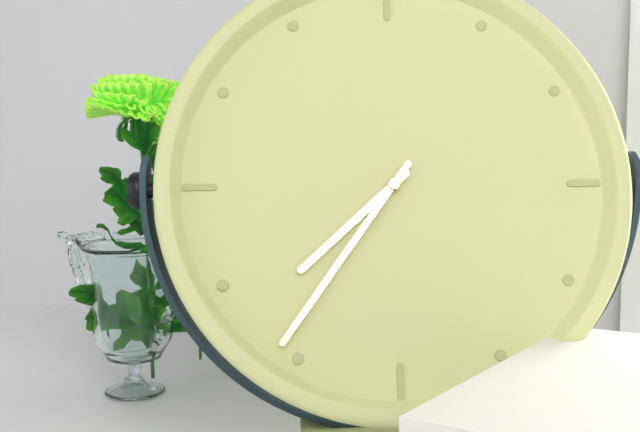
7h36
